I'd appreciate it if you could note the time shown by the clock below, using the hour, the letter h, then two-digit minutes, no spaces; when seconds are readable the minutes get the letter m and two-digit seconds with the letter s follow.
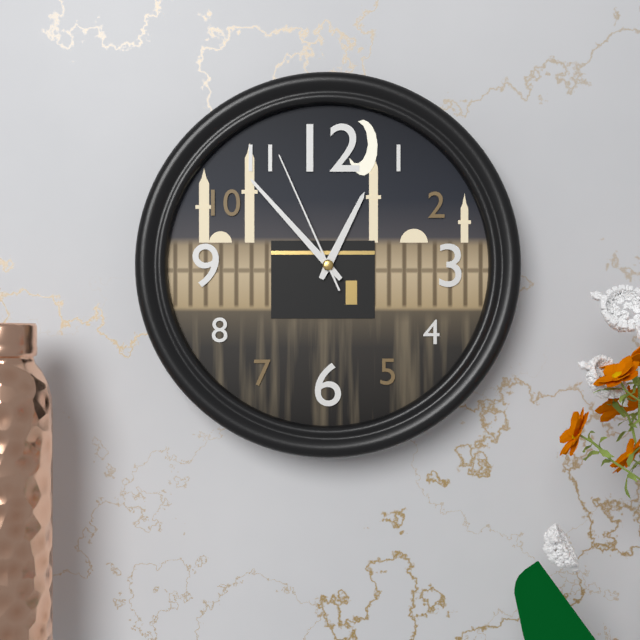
12h53m56s
